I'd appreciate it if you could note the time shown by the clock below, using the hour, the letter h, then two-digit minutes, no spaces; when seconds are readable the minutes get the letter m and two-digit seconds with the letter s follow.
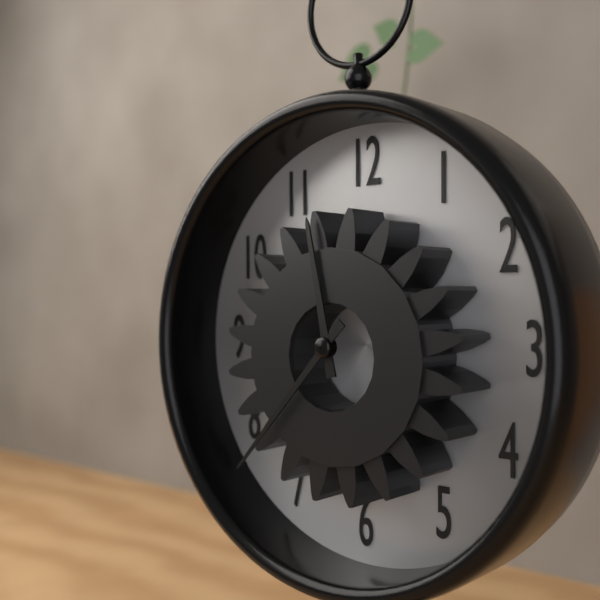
11h37
